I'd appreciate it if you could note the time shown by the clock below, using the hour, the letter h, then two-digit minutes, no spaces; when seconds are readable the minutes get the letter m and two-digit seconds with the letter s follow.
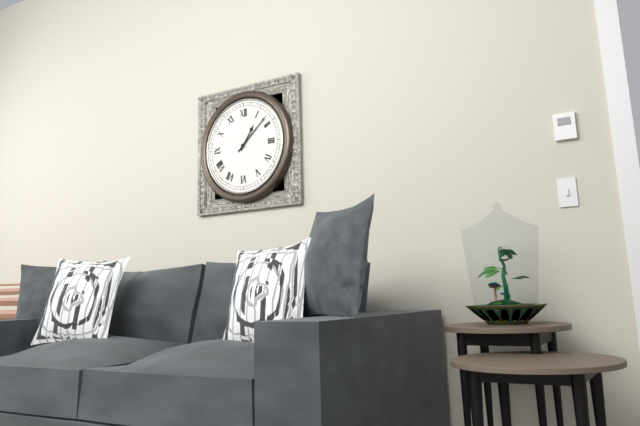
1h08
